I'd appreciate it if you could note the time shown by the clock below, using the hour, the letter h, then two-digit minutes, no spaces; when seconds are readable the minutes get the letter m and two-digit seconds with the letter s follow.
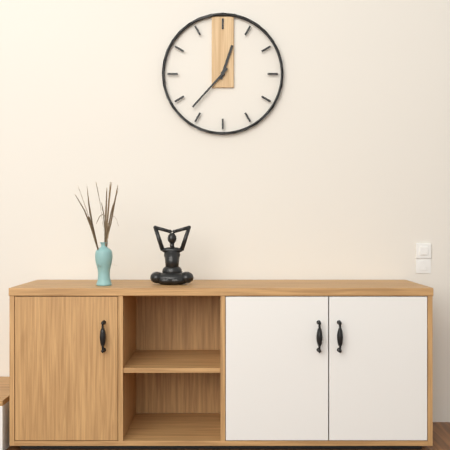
12h37
